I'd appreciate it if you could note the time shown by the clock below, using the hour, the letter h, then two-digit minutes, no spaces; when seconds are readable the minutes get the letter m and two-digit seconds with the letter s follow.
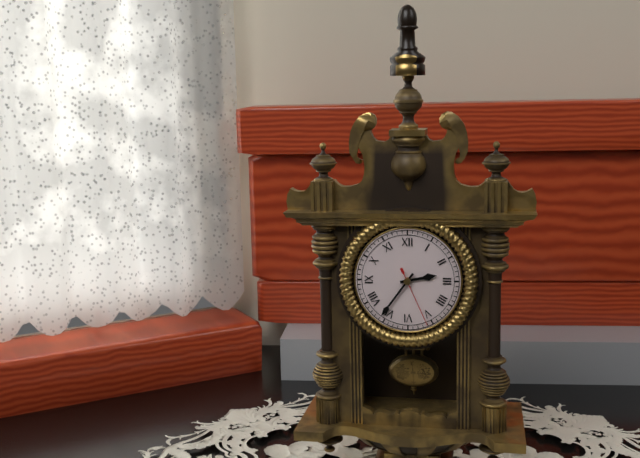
2h36m26s
